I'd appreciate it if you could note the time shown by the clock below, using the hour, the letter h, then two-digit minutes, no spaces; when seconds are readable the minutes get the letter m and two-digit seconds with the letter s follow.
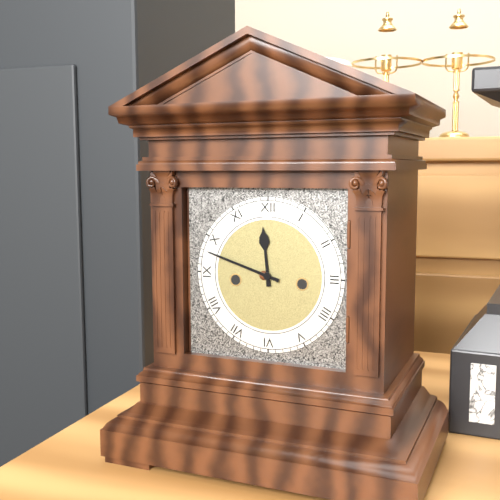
11h48
